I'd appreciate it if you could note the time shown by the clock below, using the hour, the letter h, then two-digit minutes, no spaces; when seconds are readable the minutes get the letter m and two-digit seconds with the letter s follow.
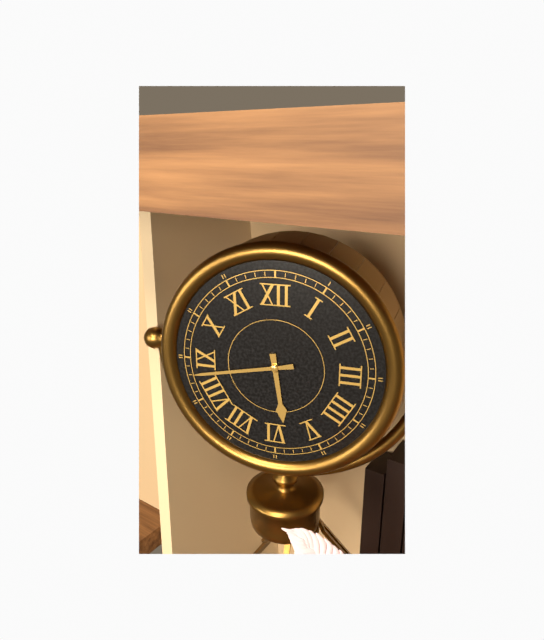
5h43
